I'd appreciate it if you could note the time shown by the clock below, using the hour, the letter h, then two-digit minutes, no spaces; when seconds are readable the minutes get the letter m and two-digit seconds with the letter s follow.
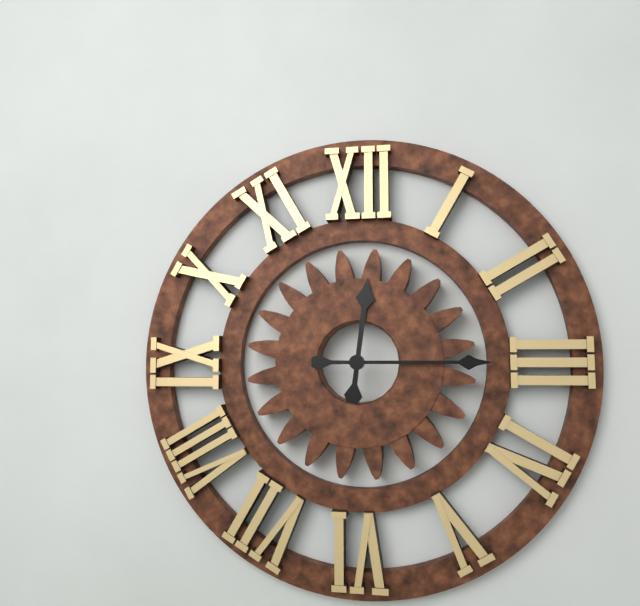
12h15
